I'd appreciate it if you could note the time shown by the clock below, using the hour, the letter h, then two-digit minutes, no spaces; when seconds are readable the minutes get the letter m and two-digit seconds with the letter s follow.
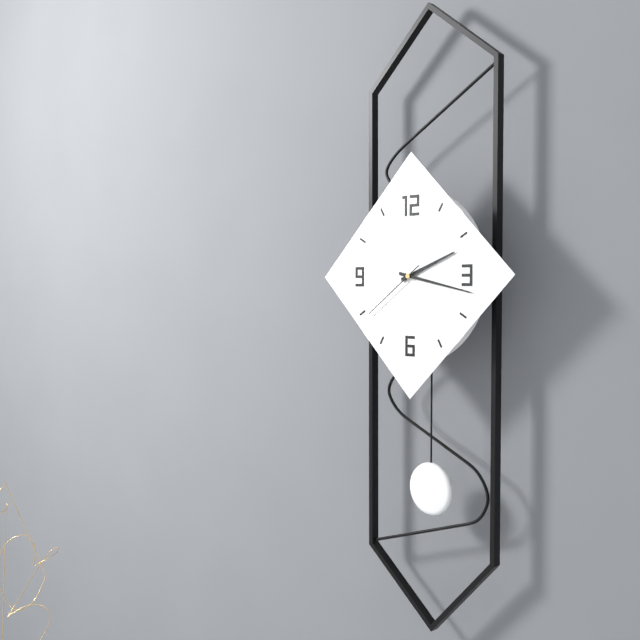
2h17m39s
